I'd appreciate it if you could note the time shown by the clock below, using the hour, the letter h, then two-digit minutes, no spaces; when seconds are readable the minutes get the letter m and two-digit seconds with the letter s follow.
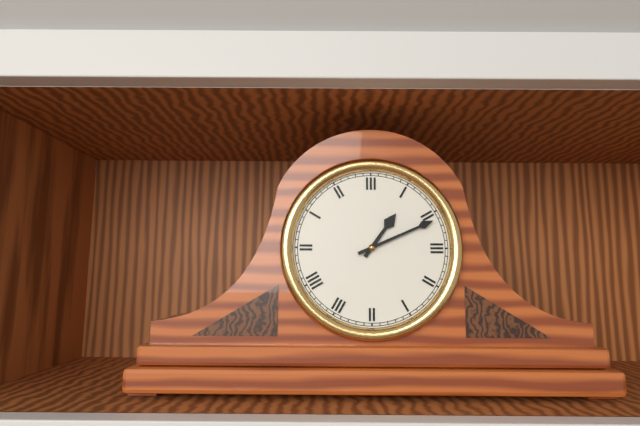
1h11
